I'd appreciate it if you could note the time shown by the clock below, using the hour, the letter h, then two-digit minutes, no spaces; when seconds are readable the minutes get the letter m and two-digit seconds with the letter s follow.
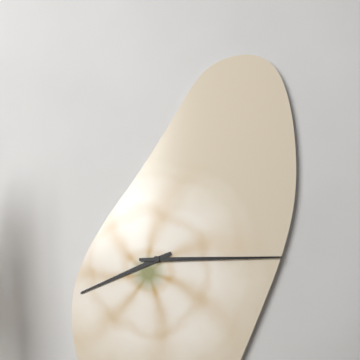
8h15
